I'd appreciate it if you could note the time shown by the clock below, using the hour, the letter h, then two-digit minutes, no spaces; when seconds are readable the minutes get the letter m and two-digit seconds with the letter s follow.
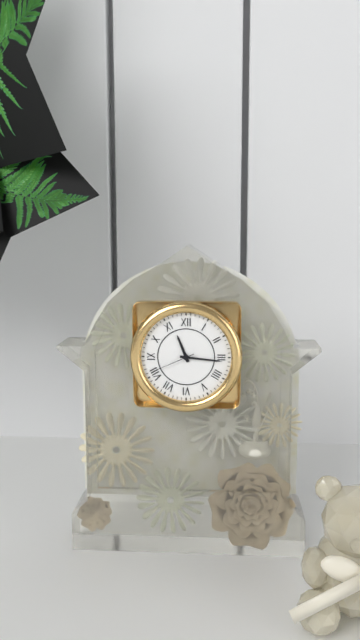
11h16m41s
